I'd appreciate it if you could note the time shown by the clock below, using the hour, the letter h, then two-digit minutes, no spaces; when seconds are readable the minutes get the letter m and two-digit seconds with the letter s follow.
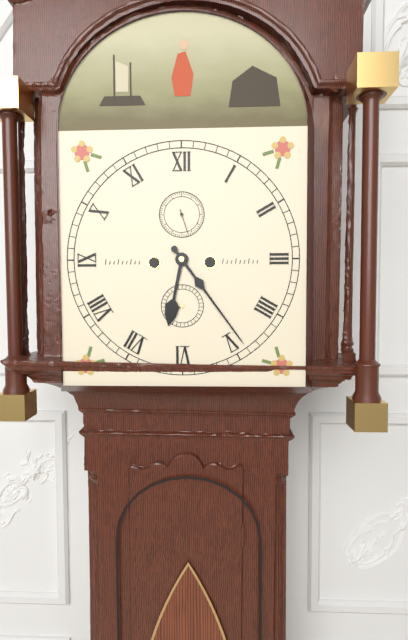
6h24
